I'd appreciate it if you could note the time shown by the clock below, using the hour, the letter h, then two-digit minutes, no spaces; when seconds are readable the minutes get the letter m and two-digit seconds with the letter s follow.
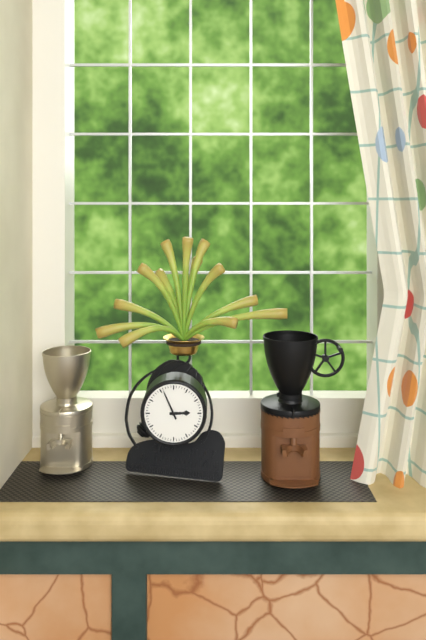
2h56
